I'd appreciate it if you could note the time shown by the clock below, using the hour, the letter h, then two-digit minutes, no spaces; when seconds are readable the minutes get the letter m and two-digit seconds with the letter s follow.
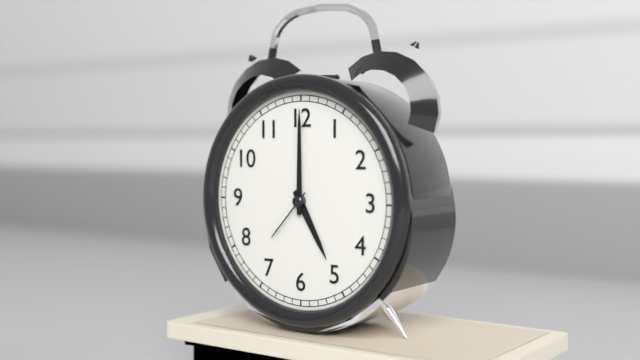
5h00m37s
